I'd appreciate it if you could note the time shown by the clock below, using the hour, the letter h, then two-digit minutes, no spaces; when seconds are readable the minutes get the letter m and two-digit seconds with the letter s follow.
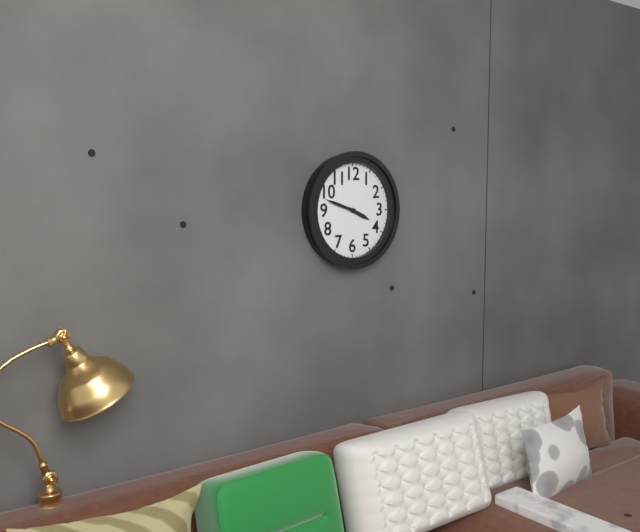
3h48
